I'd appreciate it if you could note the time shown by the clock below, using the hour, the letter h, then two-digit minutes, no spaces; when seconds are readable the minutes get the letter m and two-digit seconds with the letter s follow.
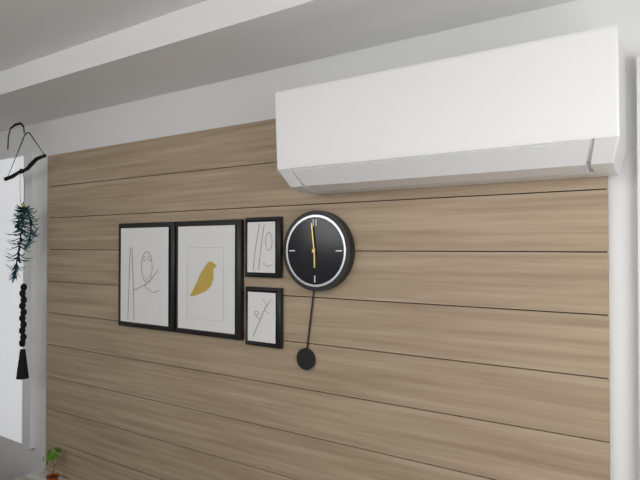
5h59
